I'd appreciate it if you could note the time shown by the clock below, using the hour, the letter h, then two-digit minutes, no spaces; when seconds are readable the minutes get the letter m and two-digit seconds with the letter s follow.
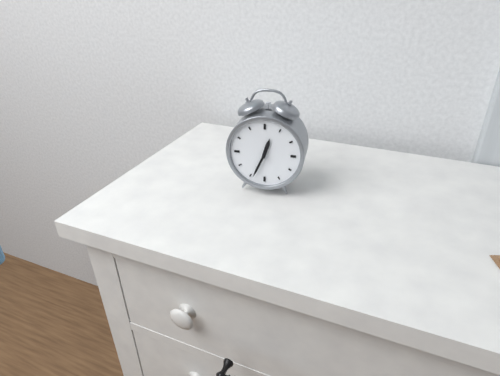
12h34
